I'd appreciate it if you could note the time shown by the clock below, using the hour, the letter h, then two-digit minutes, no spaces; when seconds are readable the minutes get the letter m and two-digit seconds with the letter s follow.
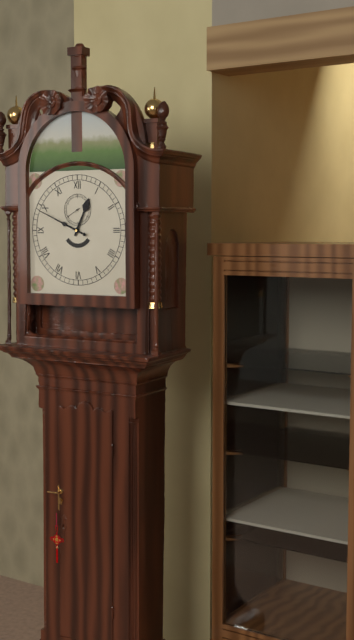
12h49
